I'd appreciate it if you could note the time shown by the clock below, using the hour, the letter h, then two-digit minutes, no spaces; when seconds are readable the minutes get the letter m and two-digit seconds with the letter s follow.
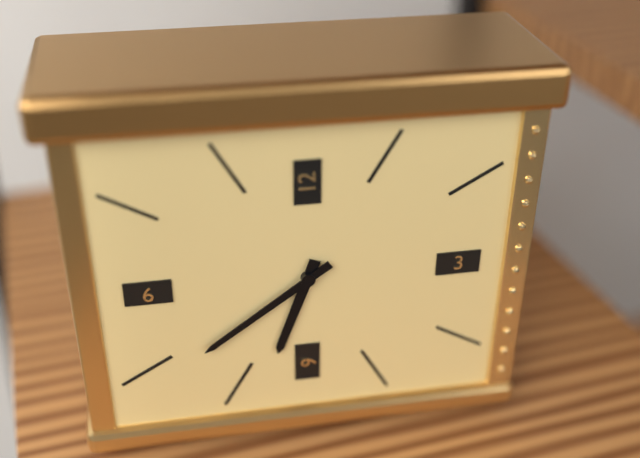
6h39
